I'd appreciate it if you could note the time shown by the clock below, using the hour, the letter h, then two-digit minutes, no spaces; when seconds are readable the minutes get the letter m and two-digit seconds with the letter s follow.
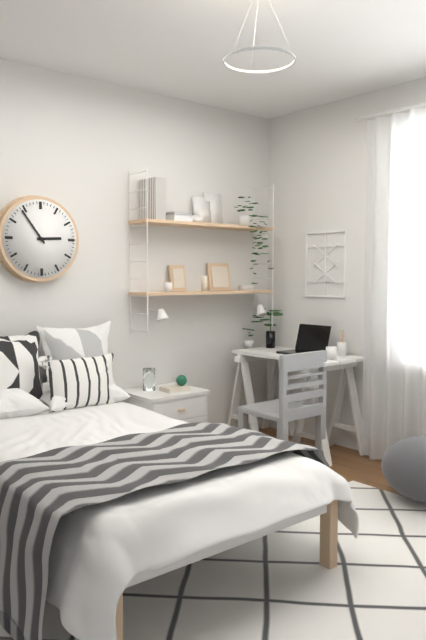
2h54
